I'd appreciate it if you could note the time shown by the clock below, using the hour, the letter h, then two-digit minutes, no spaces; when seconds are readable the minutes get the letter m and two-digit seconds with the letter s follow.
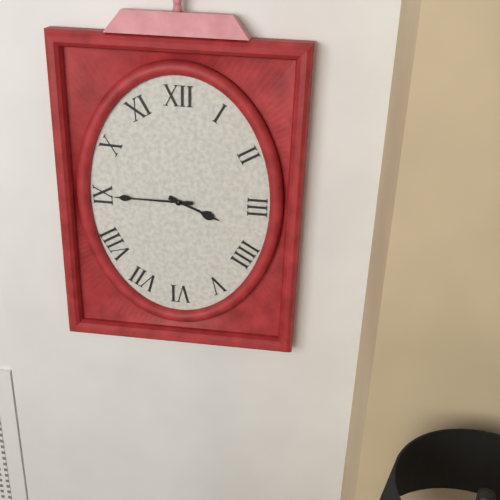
3h45
